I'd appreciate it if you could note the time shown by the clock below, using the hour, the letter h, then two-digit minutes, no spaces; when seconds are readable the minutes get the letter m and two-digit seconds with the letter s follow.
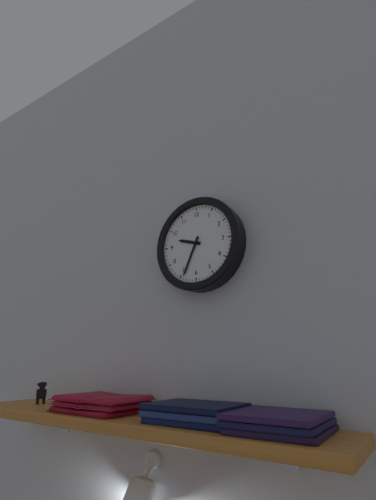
9h34
